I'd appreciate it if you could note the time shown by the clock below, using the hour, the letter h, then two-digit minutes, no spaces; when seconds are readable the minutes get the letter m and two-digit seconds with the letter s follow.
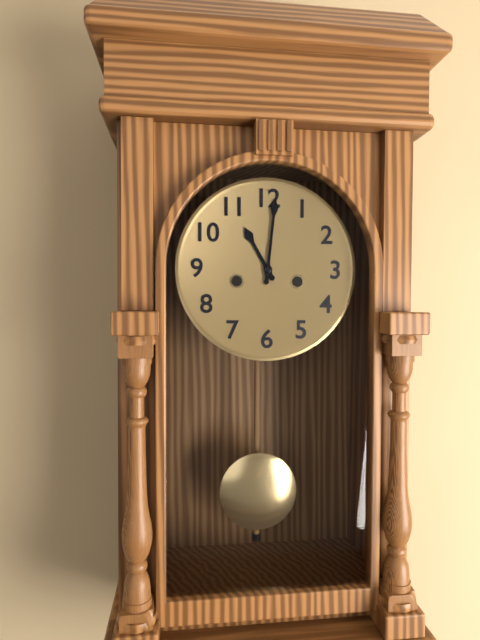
11h01
